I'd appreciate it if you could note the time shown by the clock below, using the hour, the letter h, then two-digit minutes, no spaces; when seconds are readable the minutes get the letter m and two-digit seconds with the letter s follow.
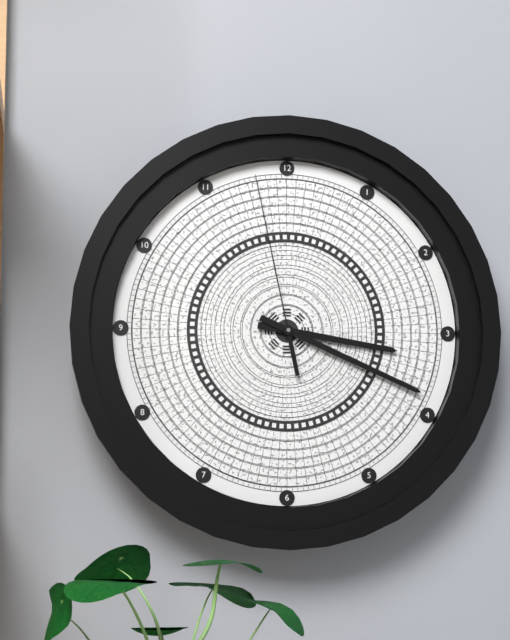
3h19m58s
